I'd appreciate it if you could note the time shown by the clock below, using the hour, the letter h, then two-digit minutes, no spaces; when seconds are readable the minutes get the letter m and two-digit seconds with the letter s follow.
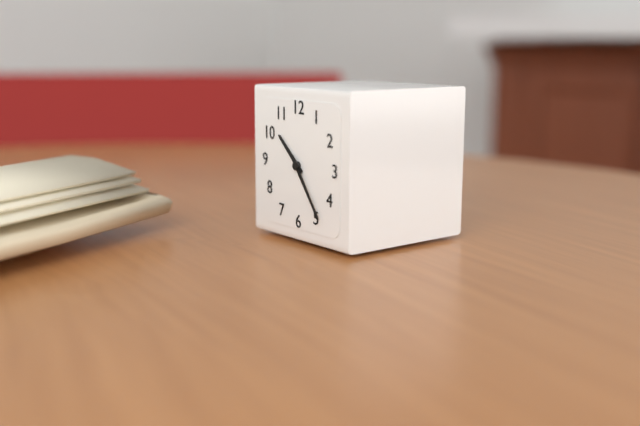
10h24
